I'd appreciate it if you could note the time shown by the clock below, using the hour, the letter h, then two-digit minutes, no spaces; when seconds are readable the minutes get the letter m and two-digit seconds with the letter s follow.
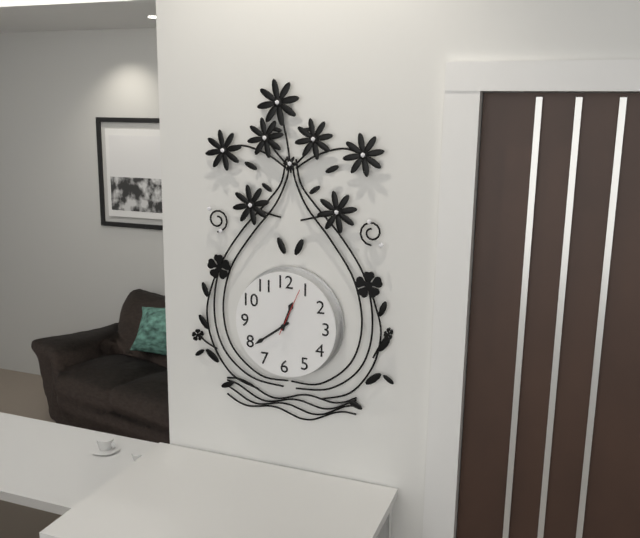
12h39
